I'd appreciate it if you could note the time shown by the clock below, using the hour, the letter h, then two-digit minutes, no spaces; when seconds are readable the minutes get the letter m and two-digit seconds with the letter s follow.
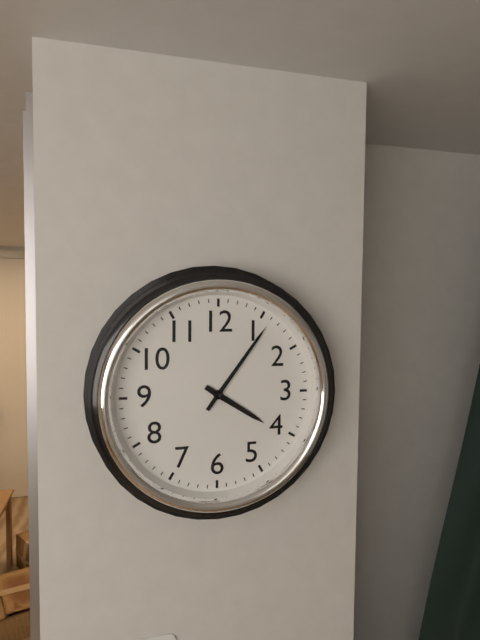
4h06
